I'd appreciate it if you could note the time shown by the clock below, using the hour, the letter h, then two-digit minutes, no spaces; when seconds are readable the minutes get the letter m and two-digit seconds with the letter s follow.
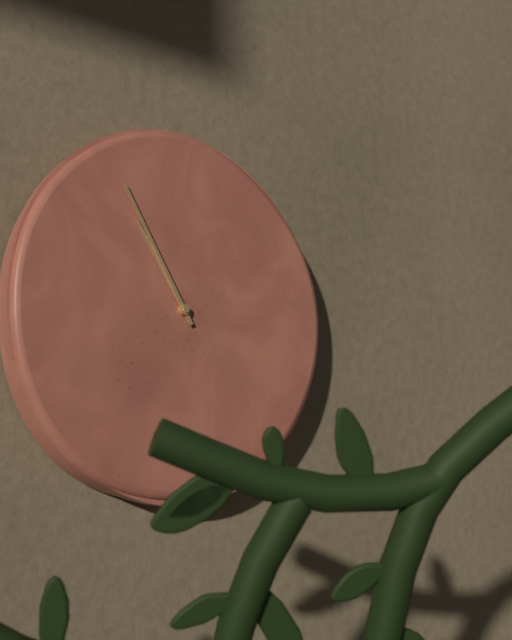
10h55
